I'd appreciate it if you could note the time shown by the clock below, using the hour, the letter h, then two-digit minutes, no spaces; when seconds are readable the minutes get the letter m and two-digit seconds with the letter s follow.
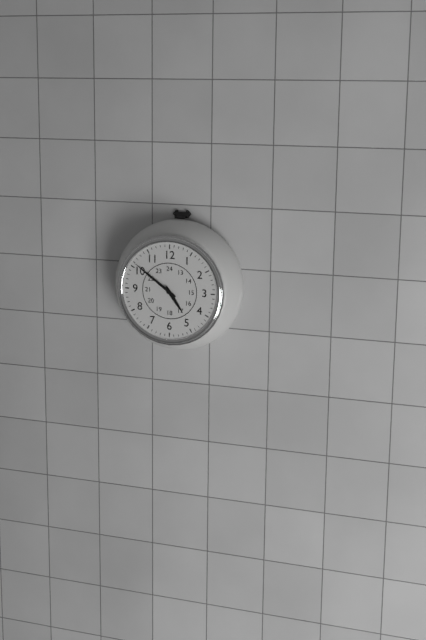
4h51
